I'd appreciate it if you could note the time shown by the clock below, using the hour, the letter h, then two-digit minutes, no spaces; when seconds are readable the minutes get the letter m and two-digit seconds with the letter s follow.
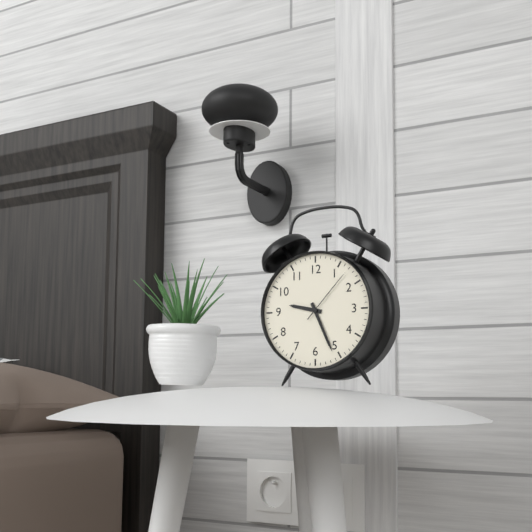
9h26m07s
